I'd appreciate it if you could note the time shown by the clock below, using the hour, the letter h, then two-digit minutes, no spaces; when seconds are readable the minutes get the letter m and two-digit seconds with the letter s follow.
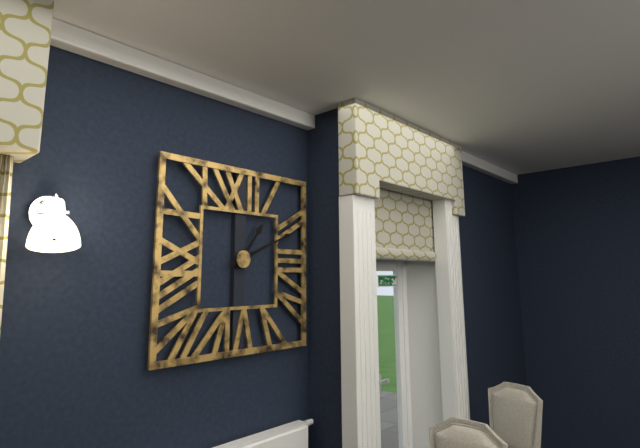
1h11
